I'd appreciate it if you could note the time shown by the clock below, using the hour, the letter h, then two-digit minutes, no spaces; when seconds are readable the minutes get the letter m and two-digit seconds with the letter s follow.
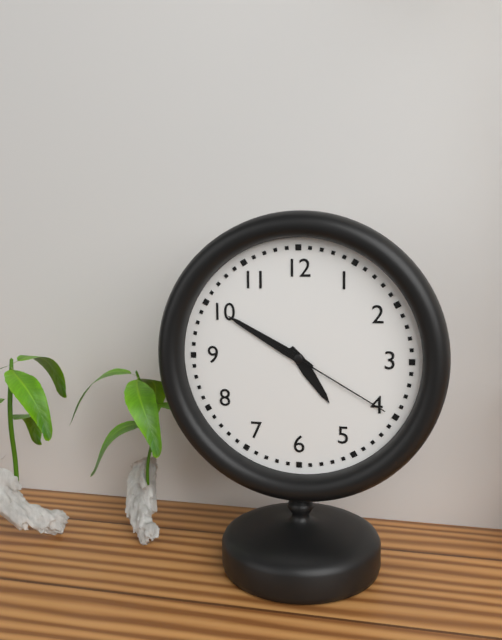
4h50m20s
